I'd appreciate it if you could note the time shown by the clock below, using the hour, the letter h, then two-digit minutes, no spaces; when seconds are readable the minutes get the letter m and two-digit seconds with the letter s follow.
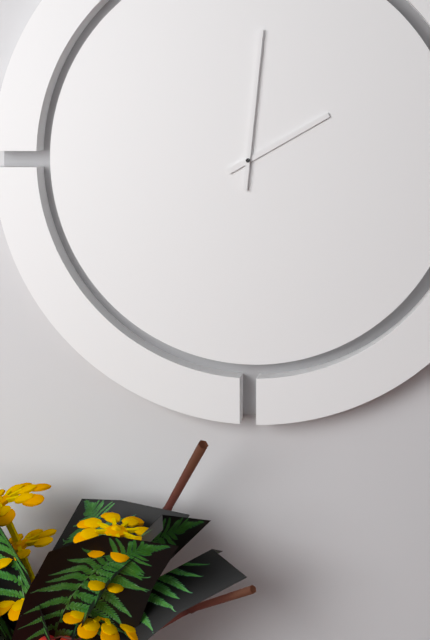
2h01
